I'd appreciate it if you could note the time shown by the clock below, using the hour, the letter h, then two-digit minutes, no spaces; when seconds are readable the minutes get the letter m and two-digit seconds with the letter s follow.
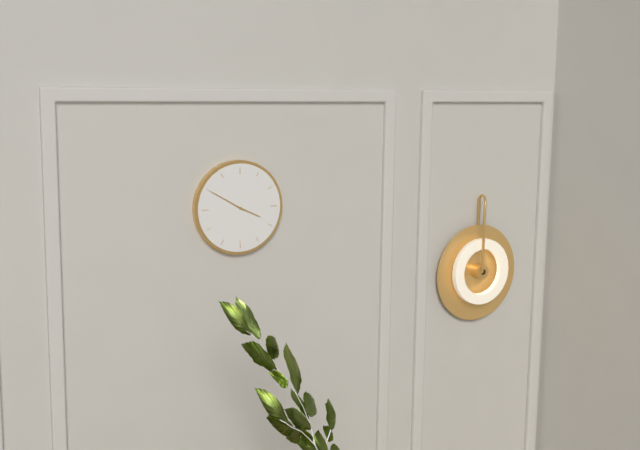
3h50
